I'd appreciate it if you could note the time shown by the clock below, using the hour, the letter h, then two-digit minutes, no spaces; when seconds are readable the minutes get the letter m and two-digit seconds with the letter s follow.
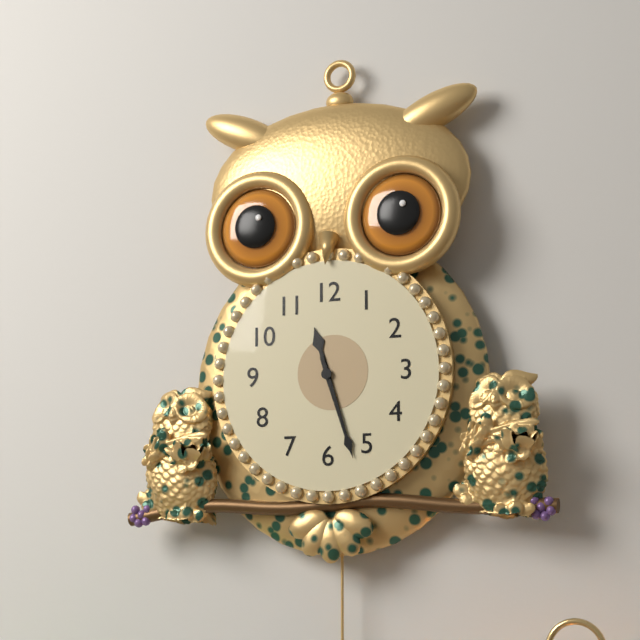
11h27
